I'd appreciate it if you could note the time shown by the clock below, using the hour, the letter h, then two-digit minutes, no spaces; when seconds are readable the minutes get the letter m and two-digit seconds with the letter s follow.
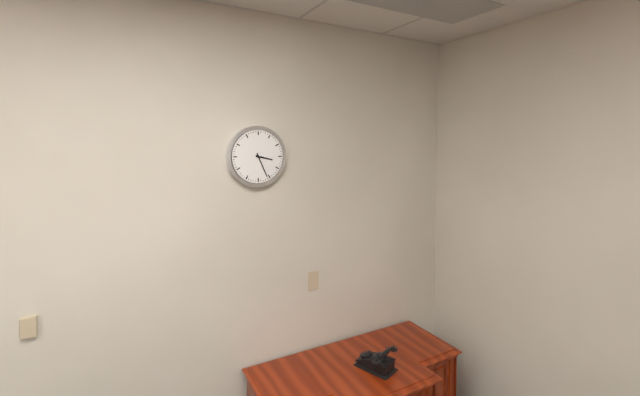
3h26
